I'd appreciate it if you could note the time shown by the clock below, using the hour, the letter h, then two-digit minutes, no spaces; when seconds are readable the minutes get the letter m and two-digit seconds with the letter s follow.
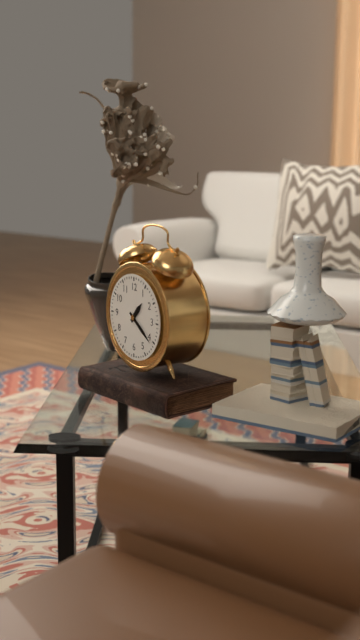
1h21
